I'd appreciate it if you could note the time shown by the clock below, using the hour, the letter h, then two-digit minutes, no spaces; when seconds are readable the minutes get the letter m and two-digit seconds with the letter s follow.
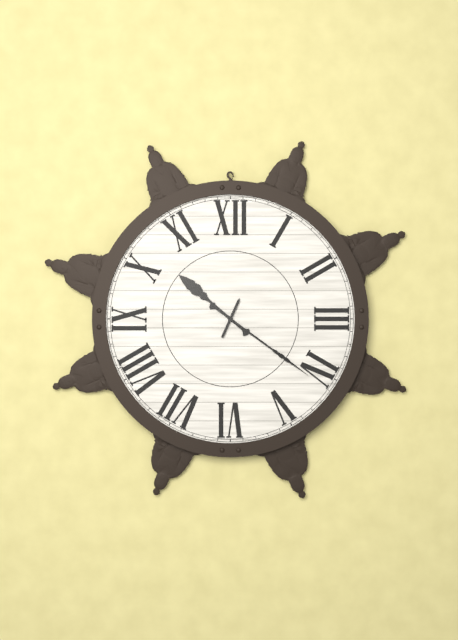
10h21
